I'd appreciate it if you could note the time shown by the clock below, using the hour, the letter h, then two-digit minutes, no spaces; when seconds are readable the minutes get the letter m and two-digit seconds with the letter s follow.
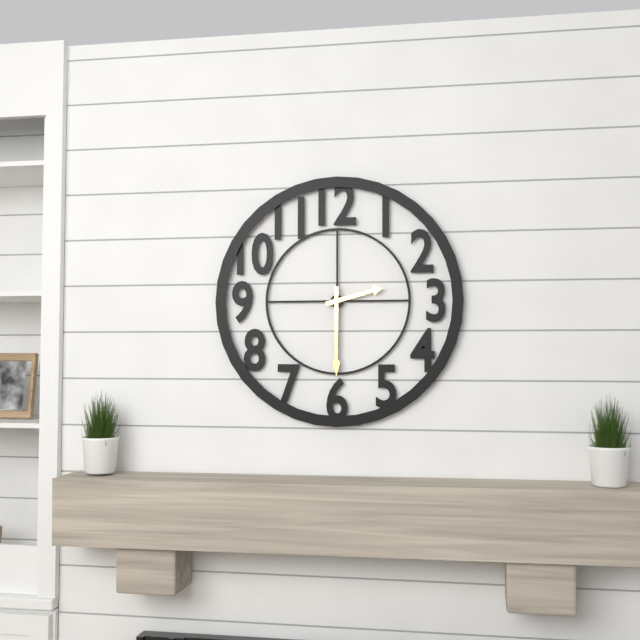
2h30
